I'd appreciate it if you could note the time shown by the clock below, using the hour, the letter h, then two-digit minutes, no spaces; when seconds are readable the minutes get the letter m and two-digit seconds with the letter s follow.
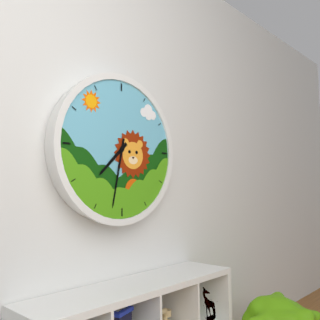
7h32
